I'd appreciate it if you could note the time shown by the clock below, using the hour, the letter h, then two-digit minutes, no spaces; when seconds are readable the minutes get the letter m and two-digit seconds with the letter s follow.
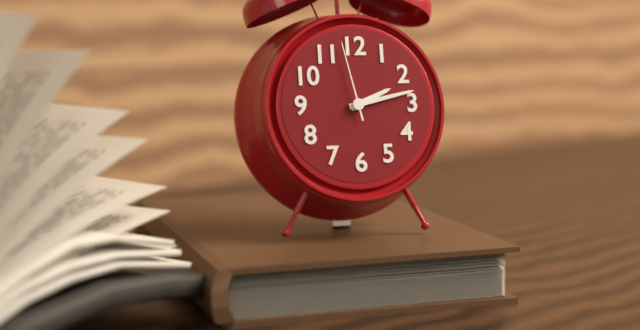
2h13m58s
